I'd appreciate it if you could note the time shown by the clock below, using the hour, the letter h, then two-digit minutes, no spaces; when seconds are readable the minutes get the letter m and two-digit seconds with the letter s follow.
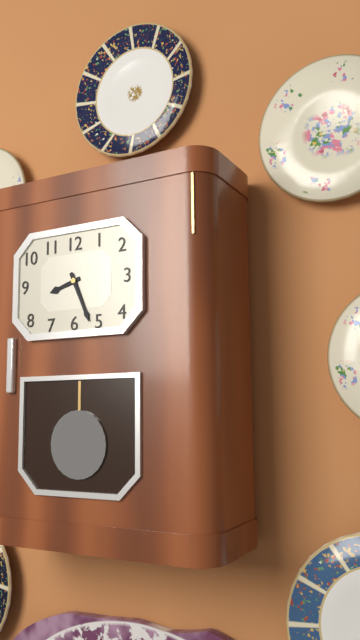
8h26
